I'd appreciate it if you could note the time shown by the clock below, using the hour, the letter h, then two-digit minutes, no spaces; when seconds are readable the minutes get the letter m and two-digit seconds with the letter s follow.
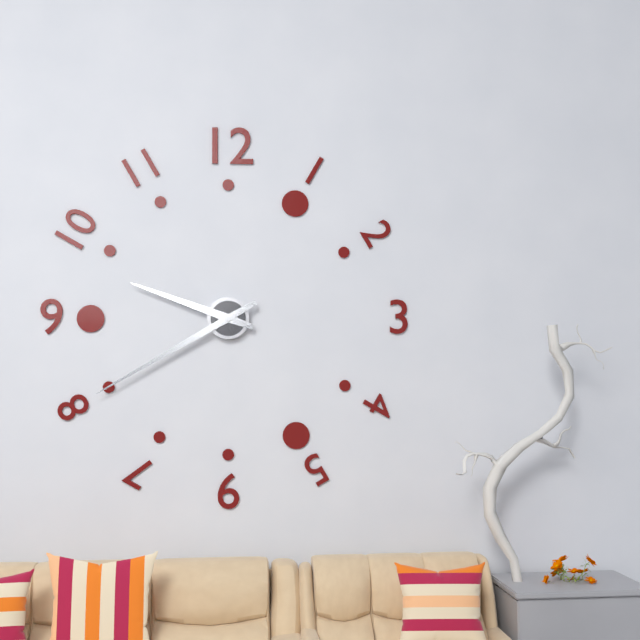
9h40
